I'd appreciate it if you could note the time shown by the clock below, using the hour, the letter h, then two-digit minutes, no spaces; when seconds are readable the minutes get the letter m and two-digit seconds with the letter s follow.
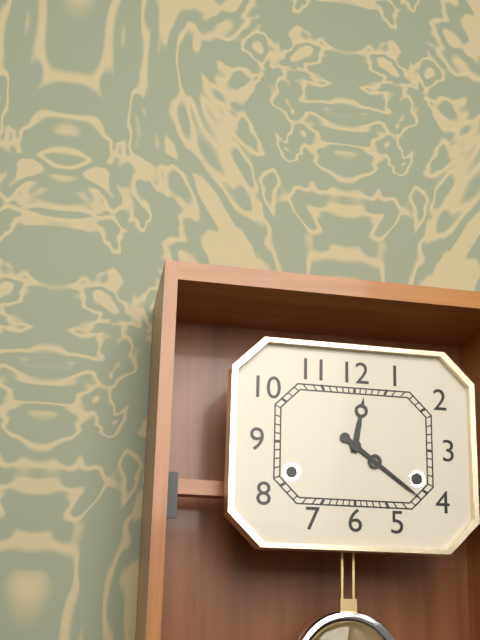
12h21
